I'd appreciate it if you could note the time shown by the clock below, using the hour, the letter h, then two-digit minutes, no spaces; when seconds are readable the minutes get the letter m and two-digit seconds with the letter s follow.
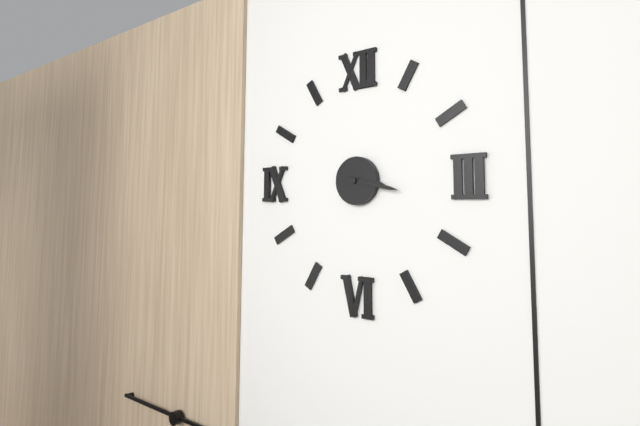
3h17
